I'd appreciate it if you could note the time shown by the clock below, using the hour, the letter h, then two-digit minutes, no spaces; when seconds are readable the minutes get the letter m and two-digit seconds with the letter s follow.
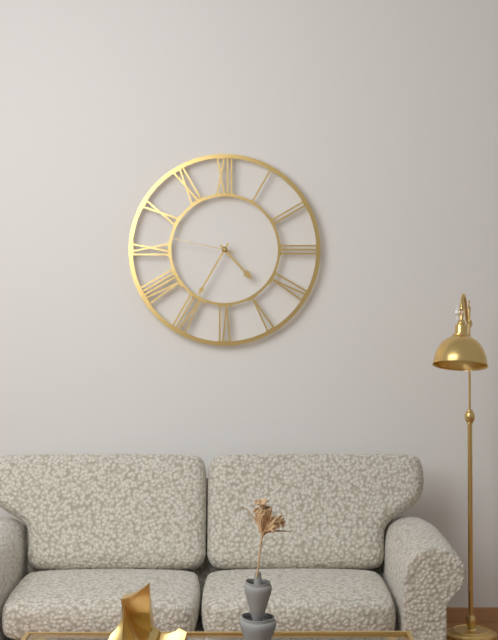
4h35m47s
